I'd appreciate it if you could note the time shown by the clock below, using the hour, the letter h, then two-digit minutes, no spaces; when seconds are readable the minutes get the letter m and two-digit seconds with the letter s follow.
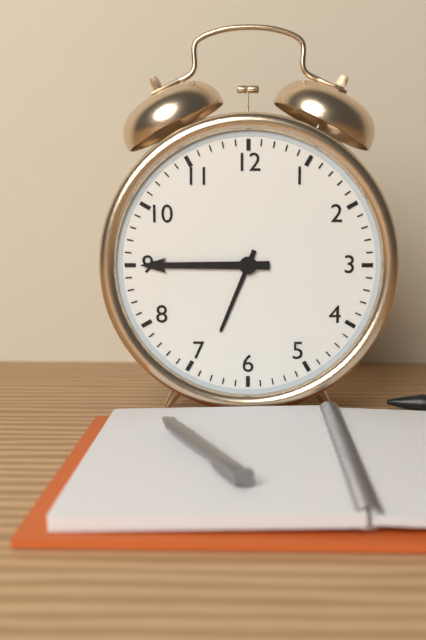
6h45
